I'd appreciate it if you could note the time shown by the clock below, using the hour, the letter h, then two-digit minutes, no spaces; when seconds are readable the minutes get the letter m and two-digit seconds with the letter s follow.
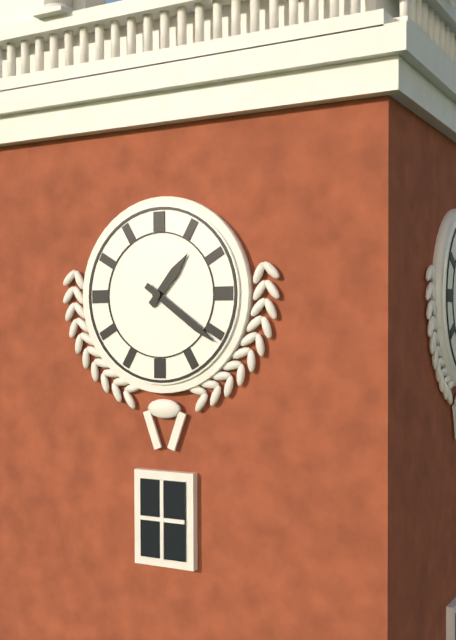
1h21
